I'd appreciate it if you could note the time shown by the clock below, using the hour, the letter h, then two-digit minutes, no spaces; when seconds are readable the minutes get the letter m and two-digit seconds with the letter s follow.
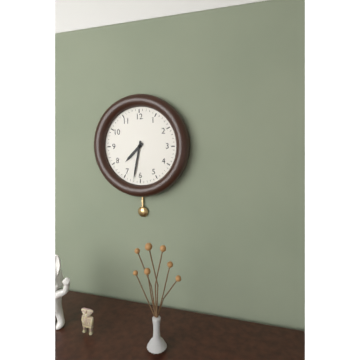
7h32
